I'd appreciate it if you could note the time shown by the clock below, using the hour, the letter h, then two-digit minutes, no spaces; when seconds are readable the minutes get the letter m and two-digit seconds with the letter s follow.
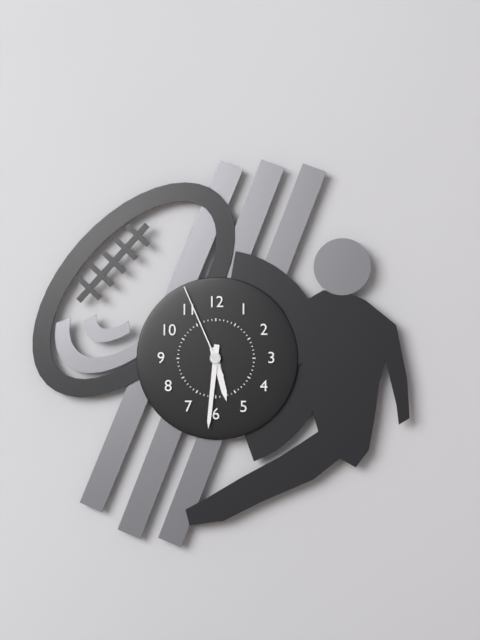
5h31m56s
